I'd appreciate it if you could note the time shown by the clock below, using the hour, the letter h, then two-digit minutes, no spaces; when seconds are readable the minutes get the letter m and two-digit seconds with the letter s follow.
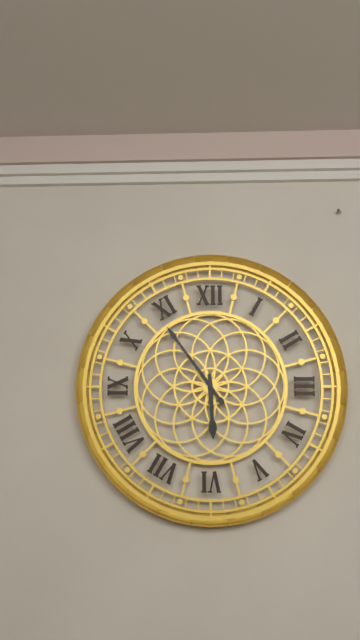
5h54
